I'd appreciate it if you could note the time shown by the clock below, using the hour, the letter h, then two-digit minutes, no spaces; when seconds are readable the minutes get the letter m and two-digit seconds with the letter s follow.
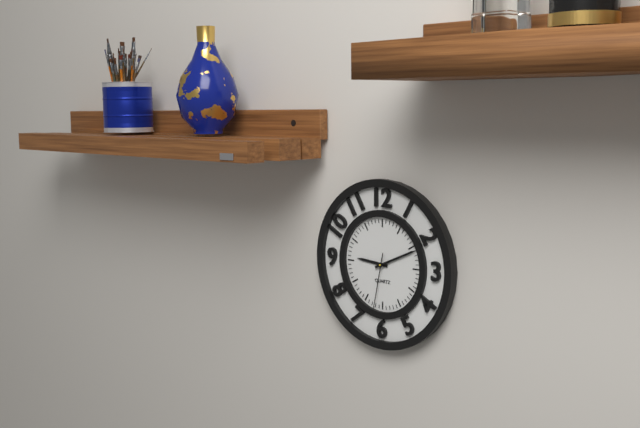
9h11m32s
